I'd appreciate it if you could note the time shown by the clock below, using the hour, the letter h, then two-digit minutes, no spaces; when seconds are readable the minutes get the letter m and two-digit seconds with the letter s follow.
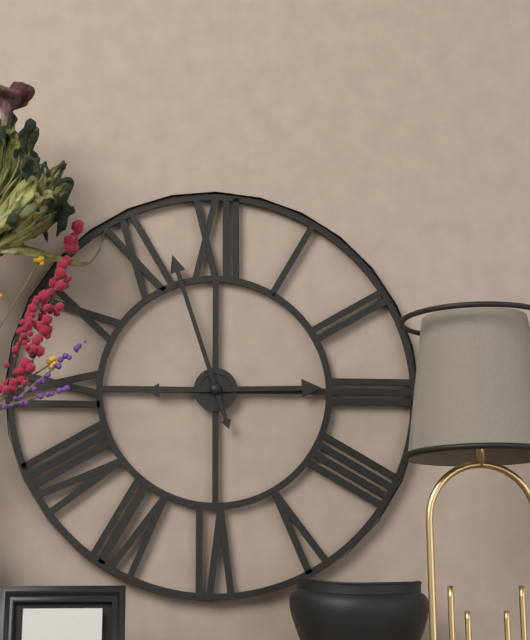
2h57
